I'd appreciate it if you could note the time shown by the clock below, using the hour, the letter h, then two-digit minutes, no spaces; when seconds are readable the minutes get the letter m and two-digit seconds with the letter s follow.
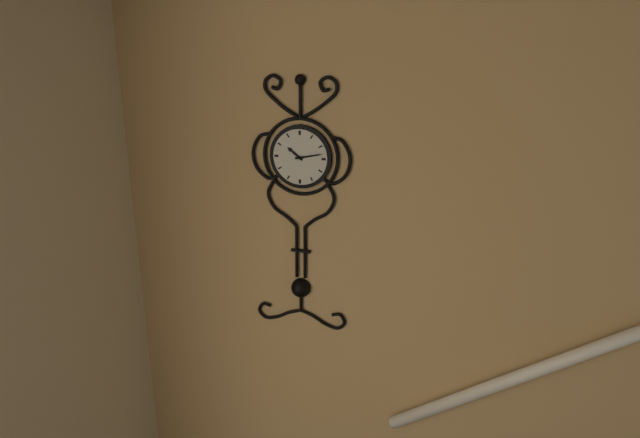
10h13
